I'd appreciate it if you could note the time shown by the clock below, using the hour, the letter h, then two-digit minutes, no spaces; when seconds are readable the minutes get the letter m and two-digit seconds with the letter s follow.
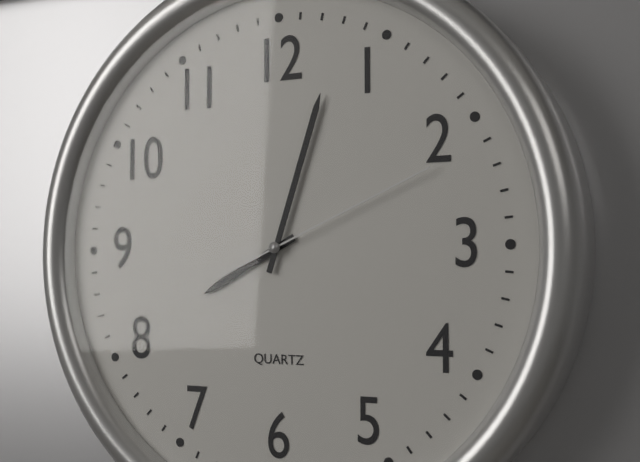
8h03m11s
